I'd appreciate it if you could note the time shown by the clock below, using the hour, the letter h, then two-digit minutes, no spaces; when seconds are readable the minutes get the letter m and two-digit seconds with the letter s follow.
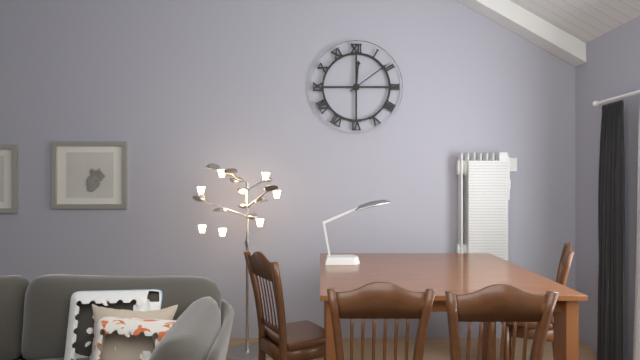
12h09
